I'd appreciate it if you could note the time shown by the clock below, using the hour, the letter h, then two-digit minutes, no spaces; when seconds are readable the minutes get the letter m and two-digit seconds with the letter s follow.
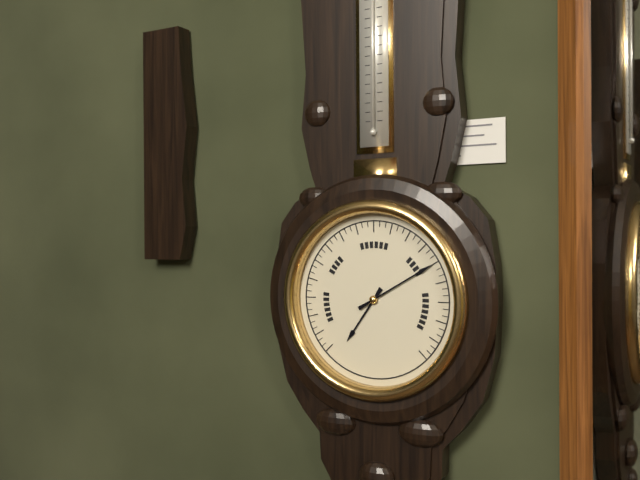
7h10
